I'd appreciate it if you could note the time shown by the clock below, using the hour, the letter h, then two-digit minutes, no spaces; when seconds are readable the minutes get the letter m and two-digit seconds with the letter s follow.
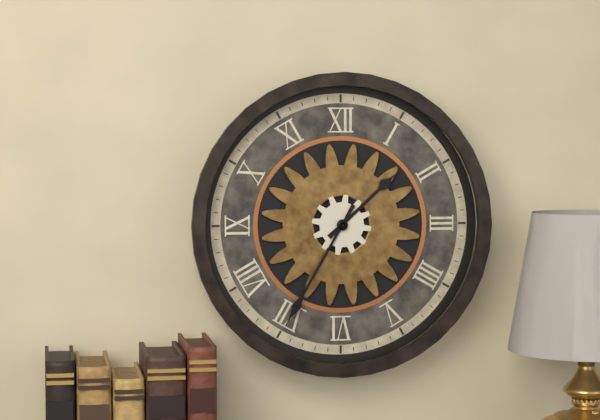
1h35
